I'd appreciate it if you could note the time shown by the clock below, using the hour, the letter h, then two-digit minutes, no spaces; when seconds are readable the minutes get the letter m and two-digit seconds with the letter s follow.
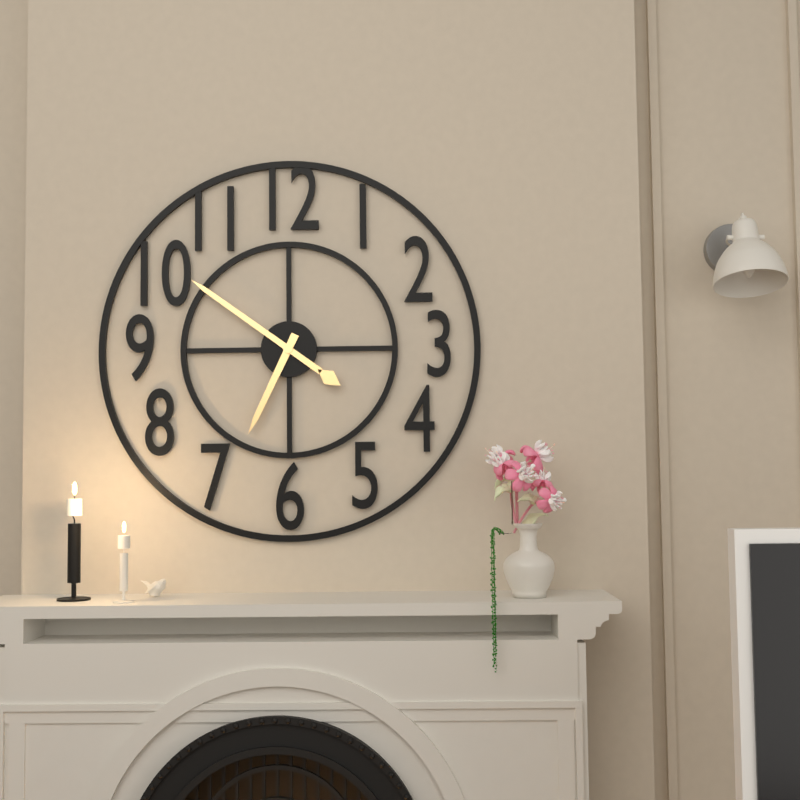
6h51
